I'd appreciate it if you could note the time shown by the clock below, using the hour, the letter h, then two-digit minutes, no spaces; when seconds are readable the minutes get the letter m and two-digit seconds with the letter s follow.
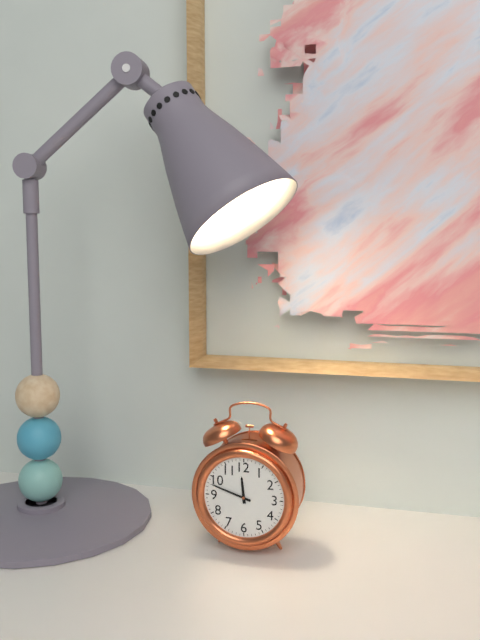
11h48
